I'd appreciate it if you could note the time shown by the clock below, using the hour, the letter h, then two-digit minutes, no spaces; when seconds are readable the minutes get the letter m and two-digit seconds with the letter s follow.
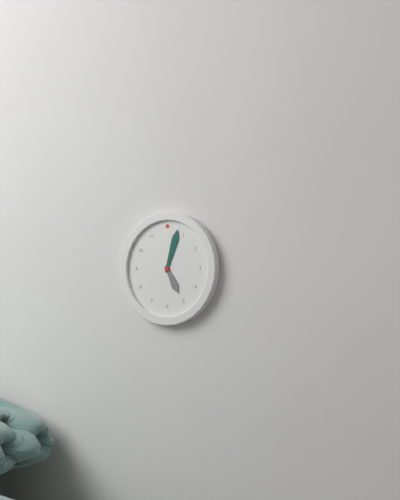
5h03
